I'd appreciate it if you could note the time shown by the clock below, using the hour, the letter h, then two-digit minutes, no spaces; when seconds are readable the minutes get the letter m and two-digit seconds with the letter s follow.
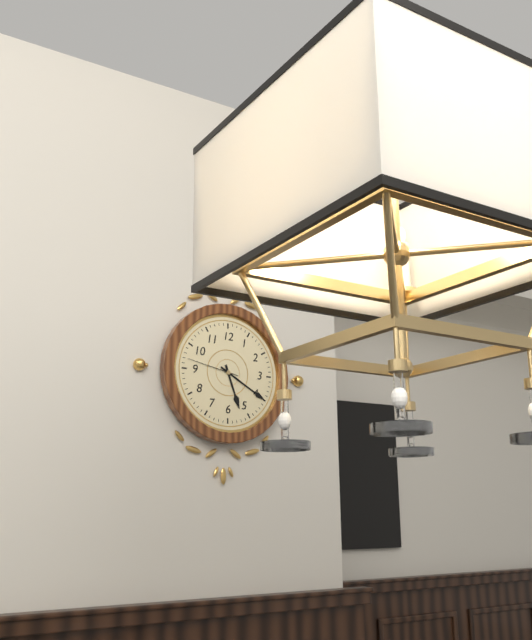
5h20m47s
